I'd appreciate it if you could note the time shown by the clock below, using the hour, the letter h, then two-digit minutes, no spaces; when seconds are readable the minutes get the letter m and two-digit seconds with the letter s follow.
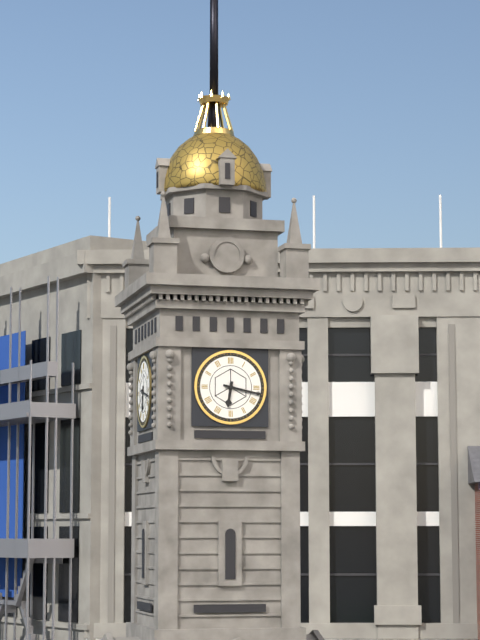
6h17
